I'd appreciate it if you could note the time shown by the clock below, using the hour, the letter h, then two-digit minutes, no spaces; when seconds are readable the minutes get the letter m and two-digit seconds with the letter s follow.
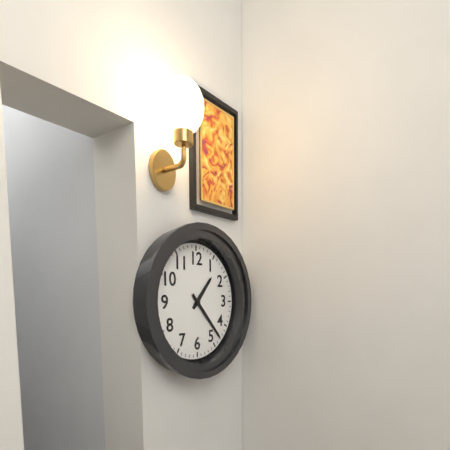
1h23
